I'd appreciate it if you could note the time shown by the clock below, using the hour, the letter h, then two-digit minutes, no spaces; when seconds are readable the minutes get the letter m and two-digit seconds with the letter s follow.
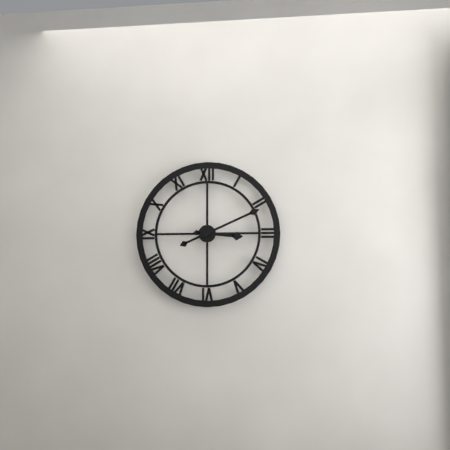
3h11
